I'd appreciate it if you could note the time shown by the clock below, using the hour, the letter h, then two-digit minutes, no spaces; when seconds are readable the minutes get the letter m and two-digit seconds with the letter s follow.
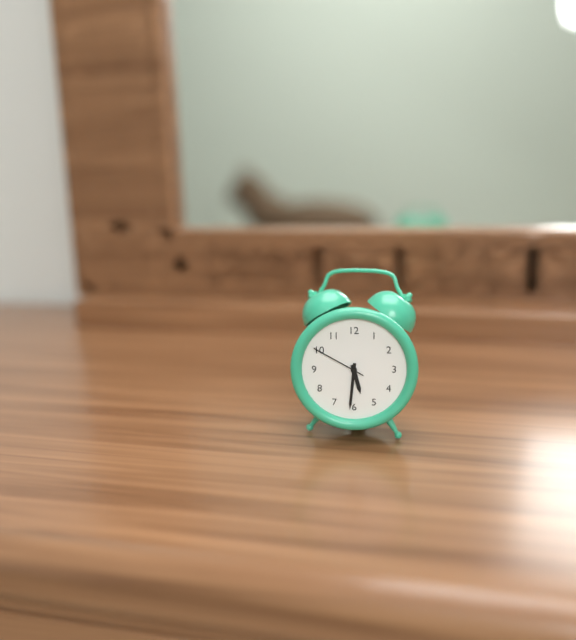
5h31m50s
